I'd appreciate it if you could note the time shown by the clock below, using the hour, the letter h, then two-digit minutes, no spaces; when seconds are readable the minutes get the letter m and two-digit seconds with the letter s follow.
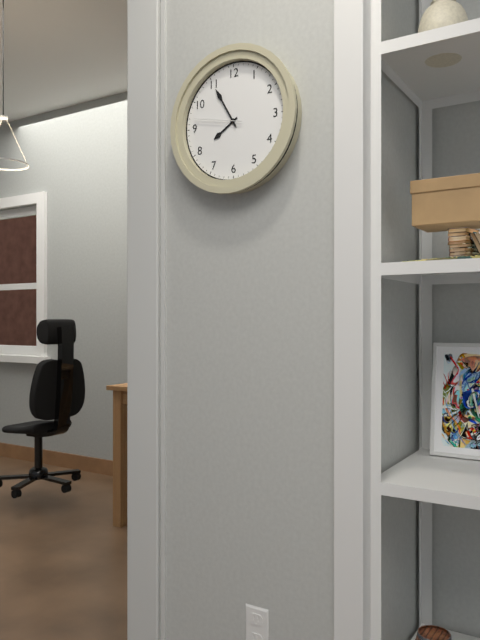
7h55
